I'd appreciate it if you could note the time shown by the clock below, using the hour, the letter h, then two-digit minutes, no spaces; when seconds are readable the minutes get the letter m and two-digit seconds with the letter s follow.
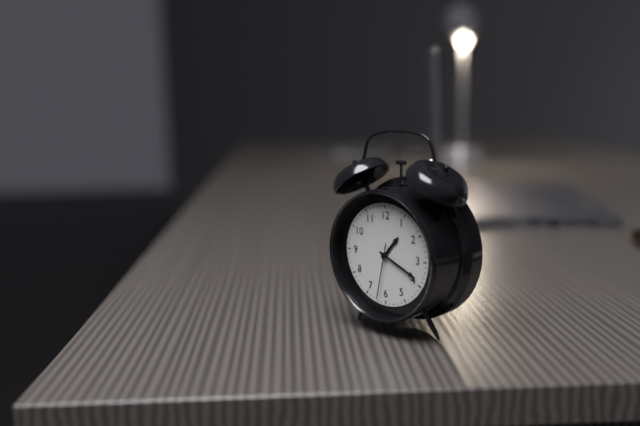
1h19m32s
